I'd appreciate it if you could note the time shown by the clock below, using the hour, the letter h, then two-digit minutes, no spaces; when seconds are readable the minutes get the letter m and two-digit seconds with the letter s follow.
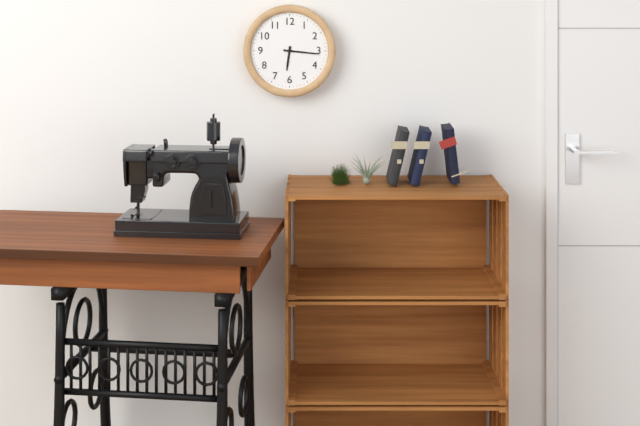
6h16
